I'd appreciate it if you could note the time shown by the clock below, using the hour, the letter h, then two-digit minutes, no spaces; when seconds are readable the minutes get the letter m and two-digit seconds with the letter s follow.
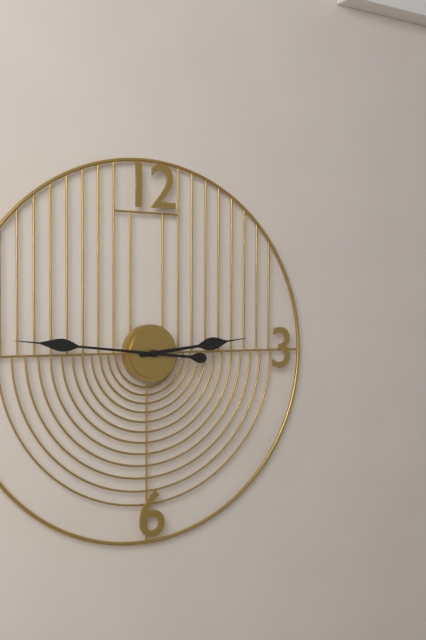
2h46
